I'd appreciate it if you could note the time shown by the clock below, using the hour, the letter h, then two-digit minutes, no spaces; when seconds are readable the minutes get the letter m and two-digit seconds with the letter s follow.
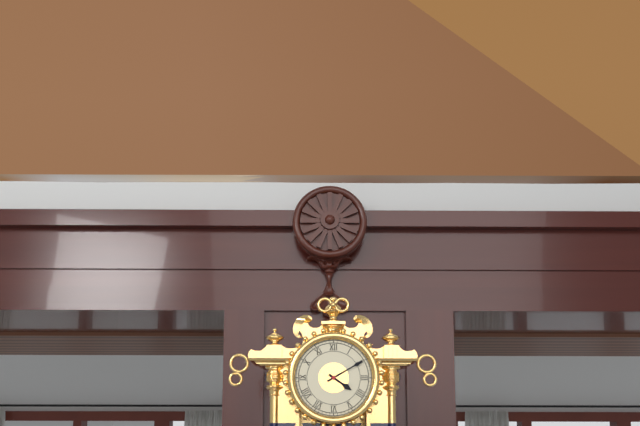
4h10
